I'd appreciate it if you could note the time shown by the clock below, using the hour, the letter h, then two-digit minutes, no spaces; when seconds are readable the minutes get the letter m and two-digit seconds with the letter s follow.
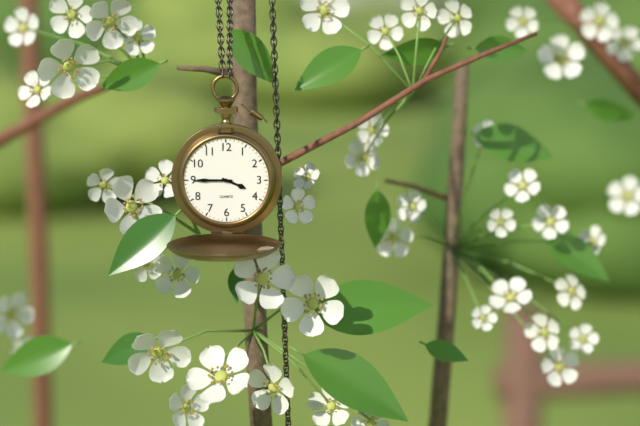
3h45
